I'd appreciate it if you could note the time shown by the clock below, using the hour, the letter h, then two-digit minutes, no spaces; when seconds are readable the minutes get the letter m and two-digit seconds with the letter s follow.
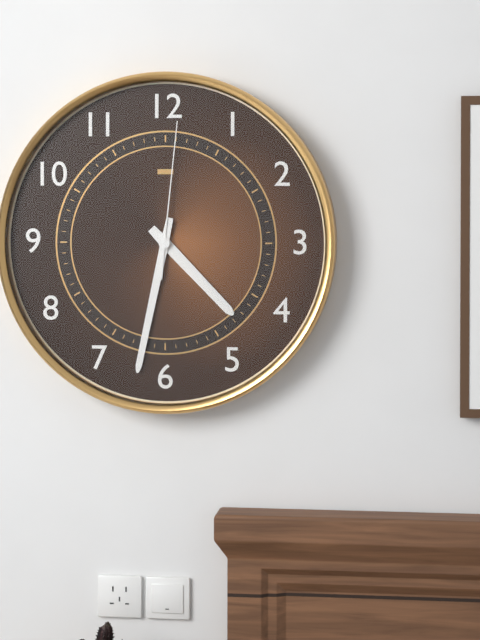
4h32m01s
